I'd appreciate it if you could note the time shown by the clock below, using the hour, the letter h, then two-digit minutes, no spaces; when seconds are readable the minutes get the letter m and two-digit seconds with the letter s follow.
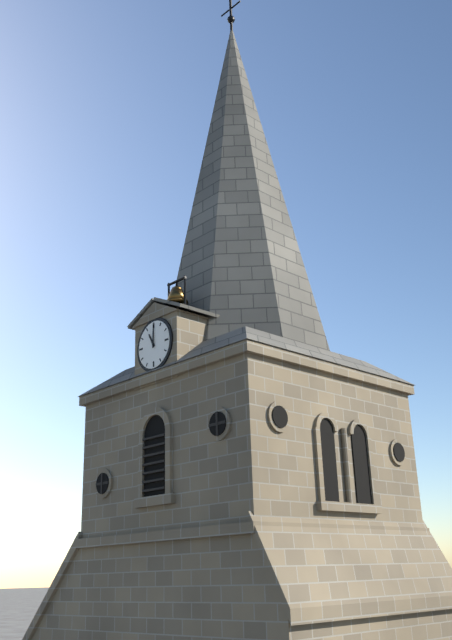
11h00
